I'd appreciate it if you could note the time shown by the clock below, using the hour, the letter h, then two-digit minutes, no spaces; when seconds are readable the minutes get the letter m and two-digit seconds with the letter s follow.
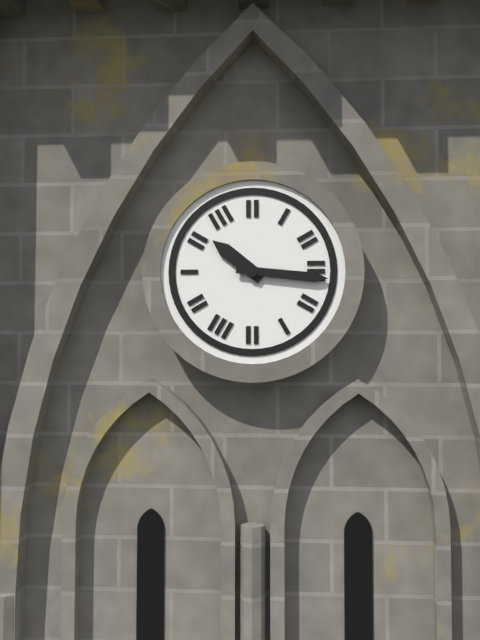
10h16
